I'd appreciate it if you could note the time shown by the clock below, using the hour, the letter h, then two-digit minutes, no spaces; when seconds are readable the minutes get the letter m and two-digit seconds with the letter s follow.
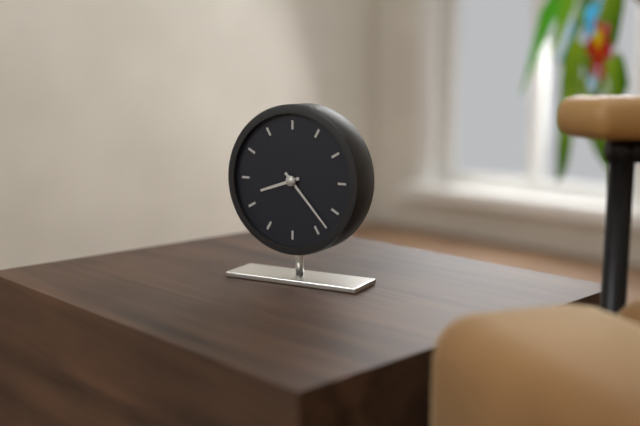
8h23
